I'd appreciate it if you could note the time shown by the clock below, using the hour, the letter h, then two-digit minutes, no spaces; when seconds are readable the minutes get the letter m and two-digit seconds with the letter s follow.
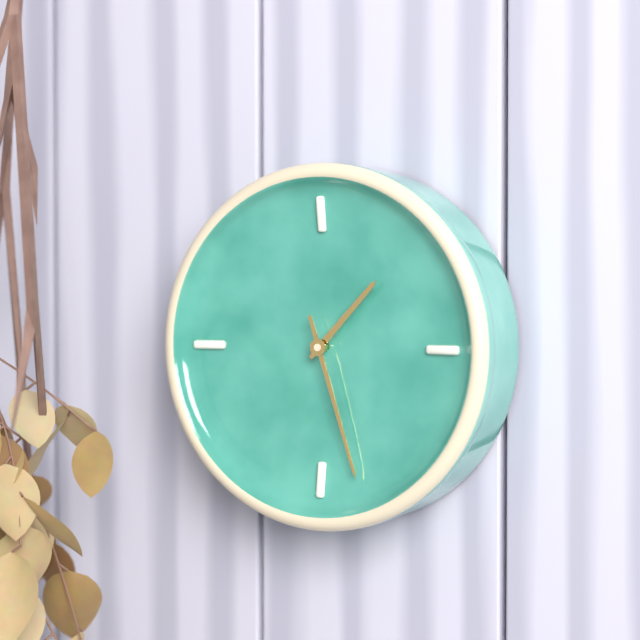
1h27
